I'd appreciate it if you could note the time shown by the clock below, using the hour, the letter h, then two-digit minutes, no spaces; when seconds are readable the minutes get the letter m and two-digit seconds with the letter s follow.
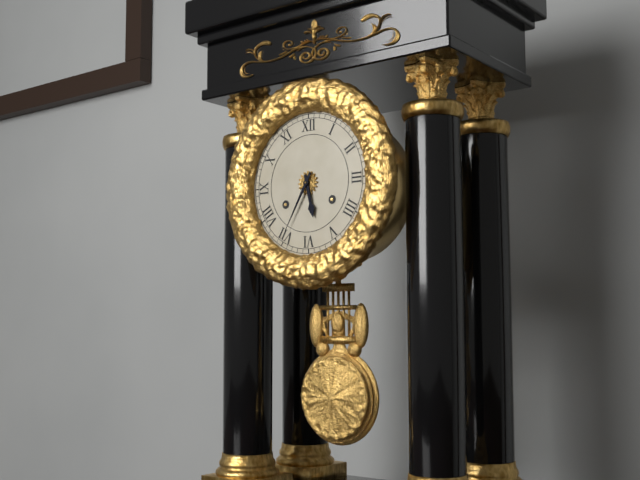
5h35
